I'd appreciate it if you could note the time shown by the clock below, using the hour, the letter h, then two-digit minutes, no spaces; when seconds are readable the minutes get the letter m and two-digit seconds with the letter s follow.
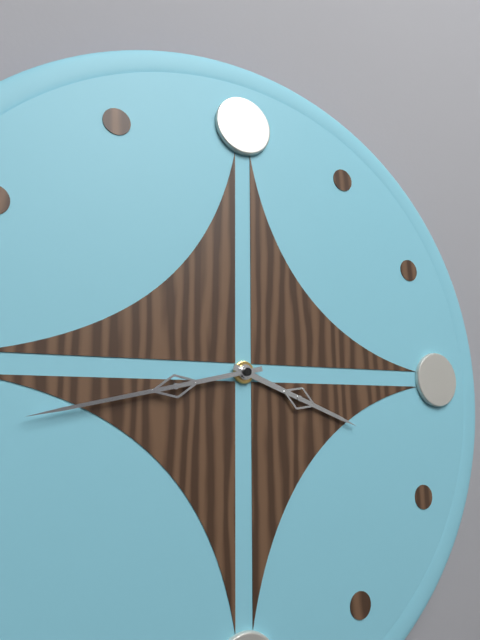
3h43
